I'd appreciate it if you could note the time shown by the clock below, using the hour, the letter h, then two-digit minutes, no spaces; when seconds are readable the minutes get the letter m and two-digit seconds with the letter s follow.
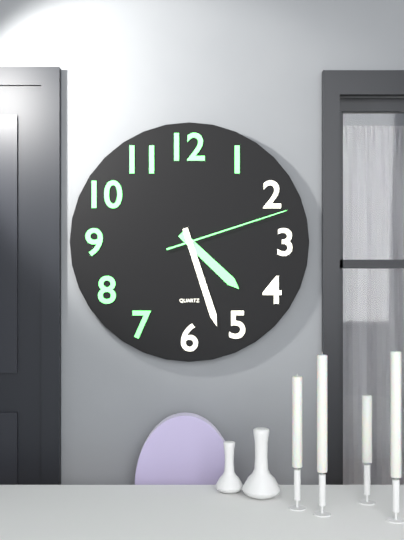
4h27m12s
